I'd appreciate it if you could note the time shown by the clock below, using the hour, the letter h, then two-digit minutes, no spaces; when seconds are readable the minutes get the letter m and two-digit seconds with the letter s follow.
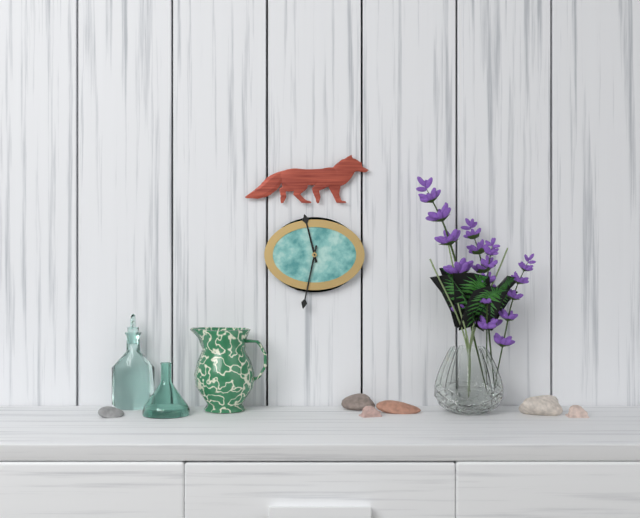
11h32
